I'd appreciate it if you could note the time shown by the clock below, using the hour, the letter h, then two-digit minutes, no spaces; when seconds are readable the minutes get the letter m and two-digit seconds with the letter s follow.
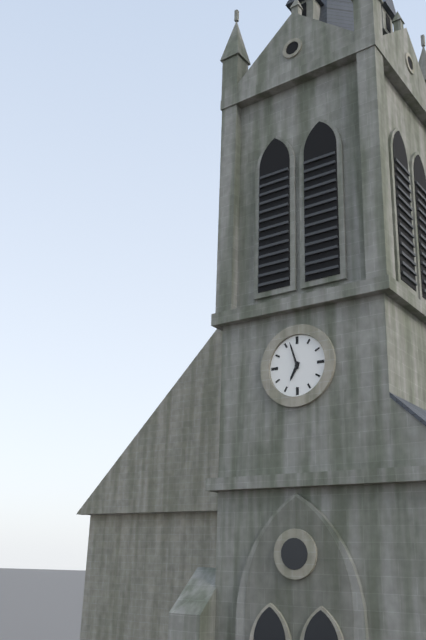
6h57
